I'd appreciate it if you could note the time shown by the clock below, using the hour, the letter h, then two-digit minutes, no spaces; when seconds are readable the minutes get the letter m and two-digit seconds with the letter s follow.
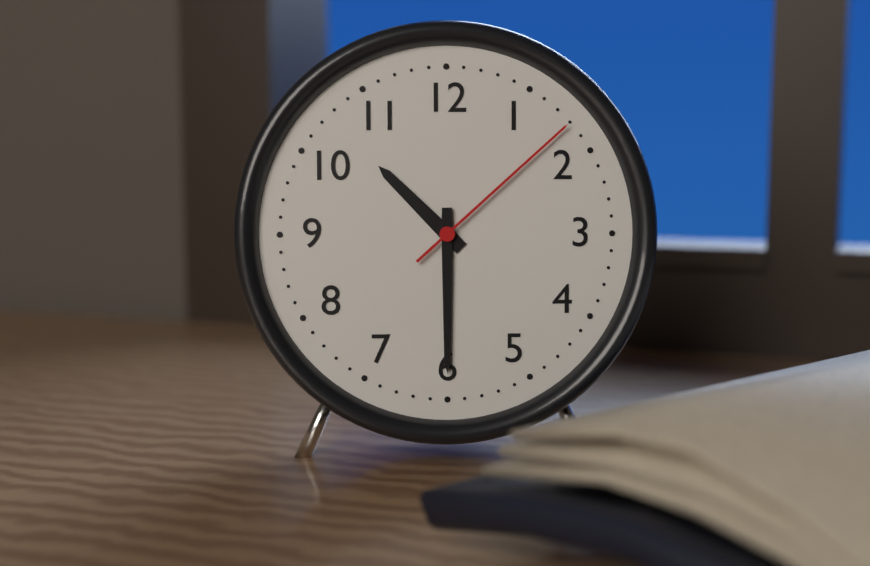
10h30m08s
